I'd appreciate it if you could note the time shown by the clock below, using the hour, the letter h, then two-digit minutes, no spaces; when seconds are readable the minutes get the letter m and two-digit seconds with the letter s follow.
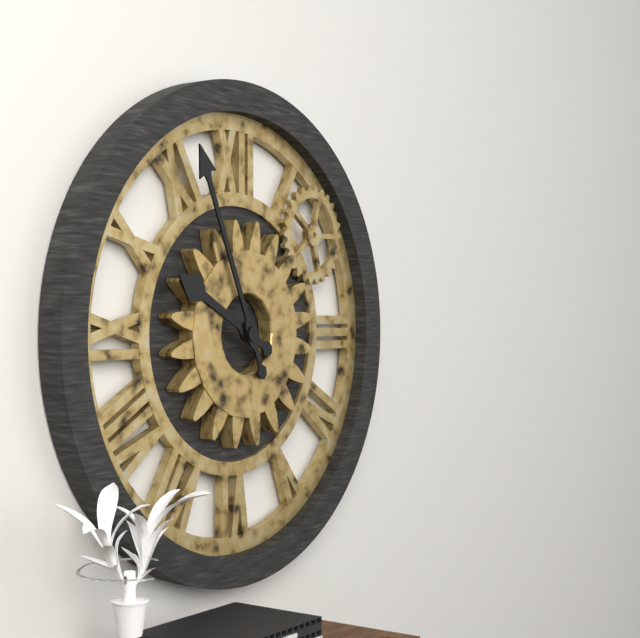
9h56
